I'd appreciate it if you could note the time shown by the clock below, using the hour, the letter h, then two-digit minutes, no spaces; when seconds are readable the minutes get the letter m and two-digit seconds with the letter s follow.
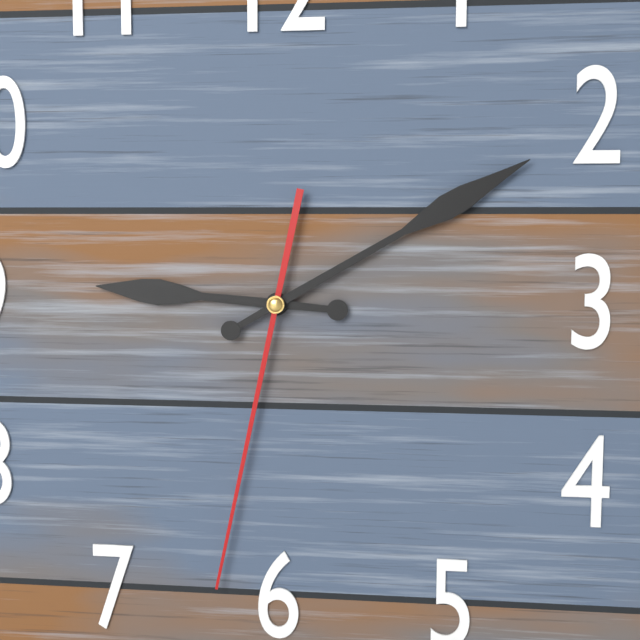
9h10m32s
